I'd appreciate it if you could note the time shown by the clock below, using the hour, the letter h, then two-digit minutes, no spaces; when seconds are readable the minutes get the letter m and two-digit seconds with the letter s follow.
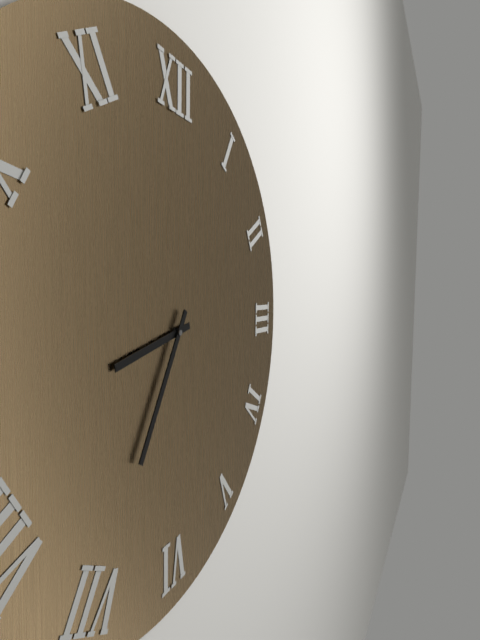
8h35
